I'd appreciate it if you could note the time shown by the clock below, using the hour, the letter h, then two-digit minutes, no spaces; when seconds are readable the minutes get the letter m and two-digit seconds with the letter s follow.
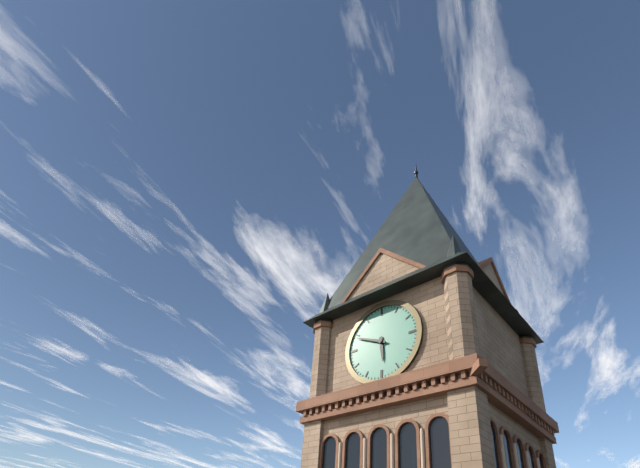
5h49
